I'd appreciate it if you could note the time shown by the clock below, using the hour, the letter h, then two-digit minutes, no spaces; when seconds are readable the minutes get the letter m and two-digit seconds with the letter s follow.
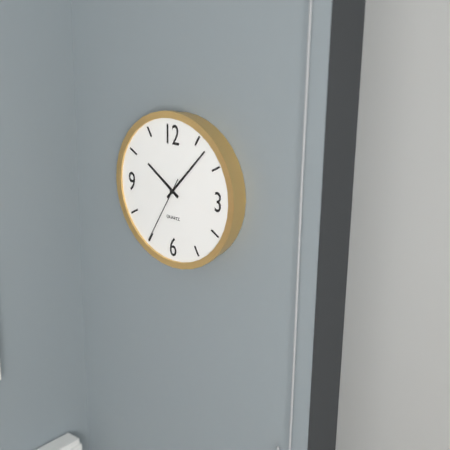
10h07m35s
